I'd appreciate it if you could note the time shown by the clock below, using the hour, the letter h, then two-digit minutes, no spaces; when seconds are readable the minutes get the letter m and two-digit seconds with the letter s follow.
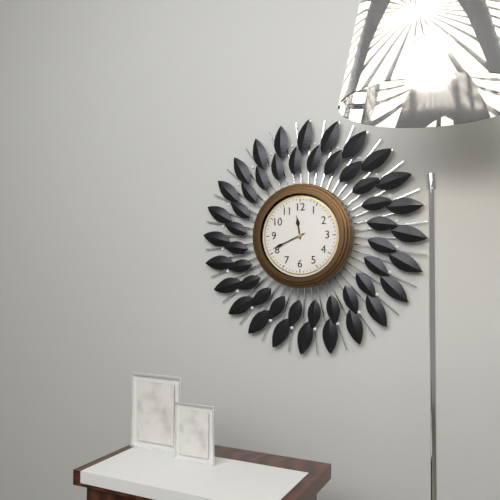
11h41
